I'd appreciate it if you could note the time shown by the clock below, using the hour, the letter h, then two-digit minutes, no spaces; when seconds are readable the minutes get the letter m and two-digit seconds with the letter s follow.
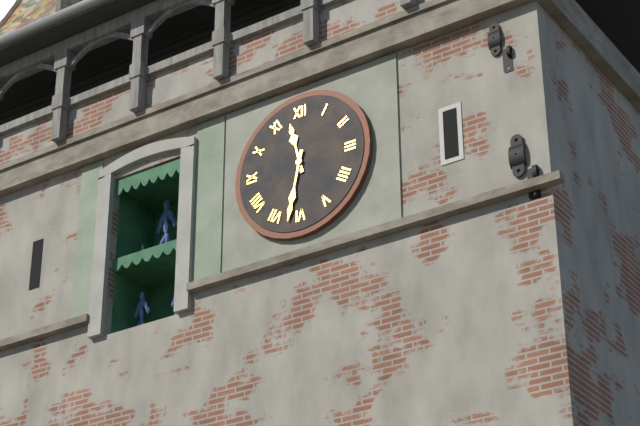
11h32
